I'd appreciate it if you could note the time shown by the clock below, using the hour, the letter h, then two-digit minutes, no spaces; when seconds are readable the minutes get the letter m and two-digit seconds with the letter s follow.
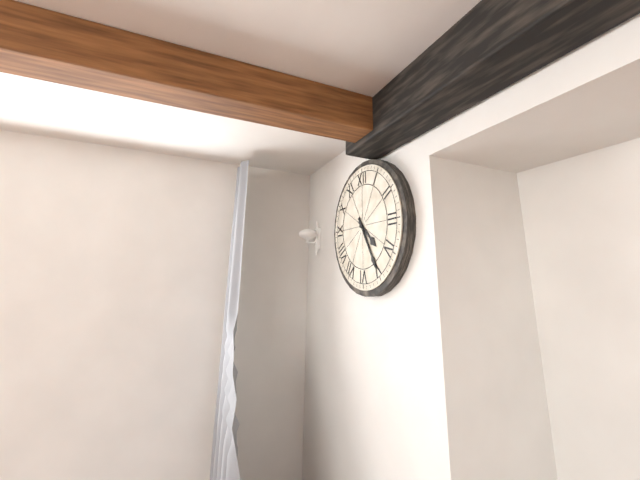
4h25
